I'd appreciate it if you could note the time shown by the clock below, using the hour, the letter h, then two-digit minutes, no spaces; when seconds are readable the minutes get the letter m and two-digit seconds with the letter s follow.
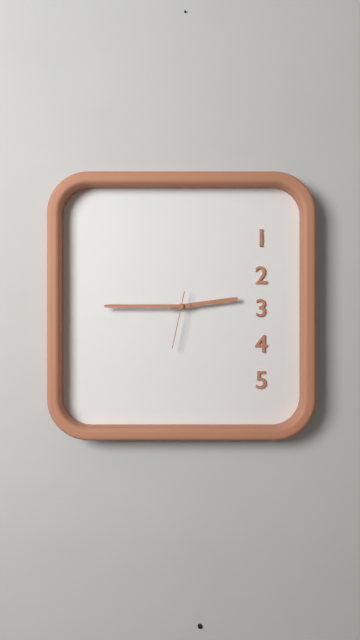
2h45m32s
